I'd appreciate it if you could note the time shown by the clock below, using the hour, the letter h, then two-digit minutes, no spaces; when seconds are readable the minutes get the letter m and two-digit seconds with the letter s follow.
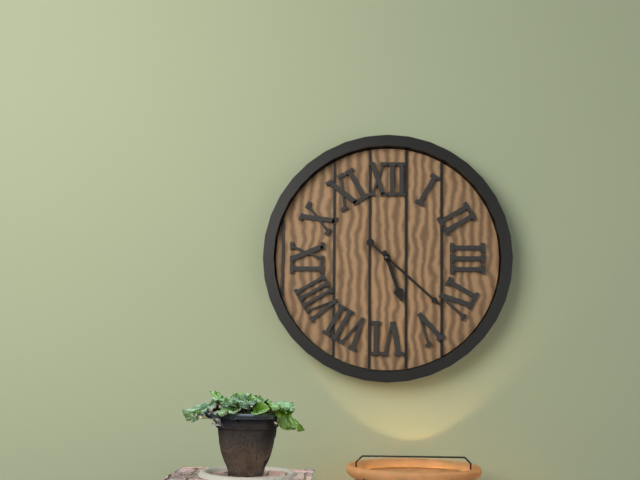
5h22
